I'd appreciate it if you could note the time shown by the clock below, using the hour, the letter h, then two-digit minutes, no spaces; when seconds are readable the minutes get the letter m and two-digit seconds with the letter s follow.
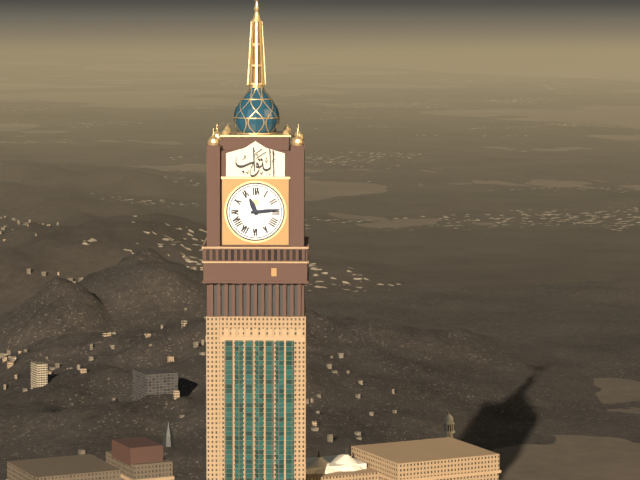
11h14
